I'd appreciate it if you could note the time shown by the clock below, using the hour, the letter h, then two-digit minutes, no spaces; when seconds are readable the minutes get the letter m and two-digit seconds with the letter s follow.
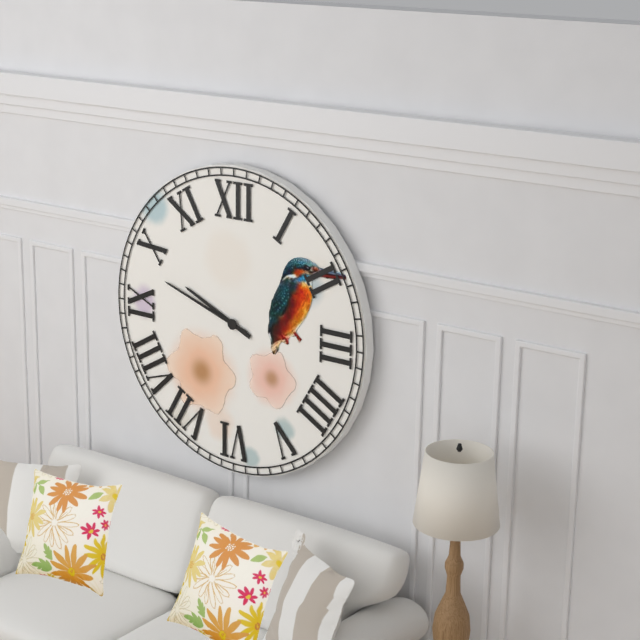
9h48
